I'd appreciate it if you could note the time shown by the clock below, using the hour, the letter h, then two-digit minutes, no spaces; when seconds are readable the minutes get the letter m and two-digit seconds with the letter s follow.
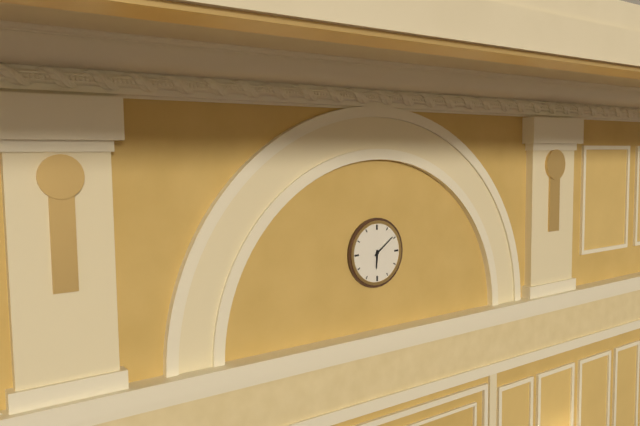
6h09
